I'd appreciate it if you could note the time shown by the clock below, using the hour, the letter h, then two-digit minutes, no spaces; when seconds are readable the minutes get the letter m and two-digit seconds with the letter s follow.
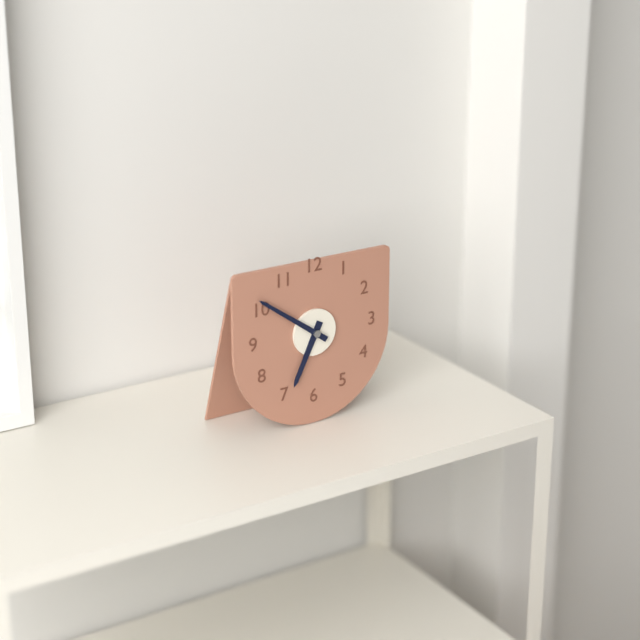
6h51
